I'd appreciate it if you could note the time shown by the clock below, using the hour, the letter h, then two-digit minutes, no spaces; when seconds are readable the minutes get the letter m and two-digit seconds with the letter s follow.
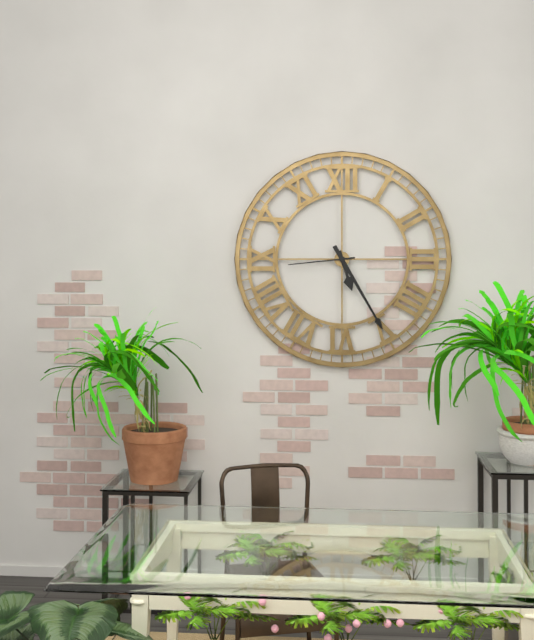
5h25m44s
